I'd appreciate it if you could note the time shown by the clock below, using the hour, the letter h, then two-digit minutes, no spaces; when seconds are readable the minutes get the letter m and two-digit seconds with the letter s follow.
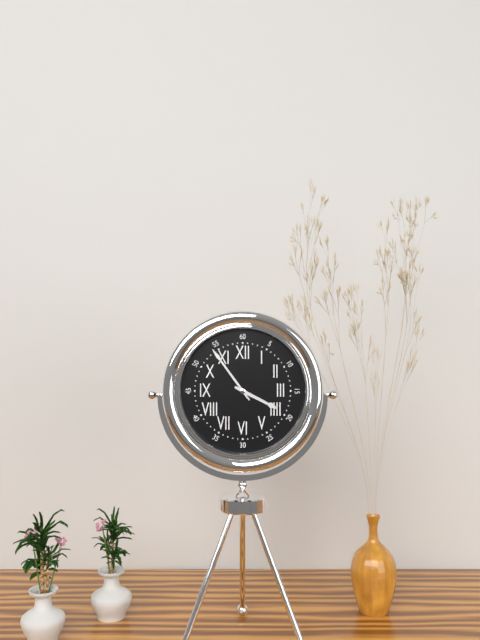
3h54
